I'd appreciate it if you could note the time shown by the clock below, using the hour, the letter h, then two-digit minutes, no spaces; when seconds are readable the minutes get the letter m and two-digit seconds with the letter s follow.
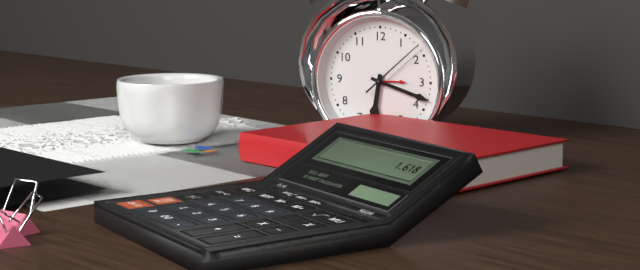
6h18m08s
